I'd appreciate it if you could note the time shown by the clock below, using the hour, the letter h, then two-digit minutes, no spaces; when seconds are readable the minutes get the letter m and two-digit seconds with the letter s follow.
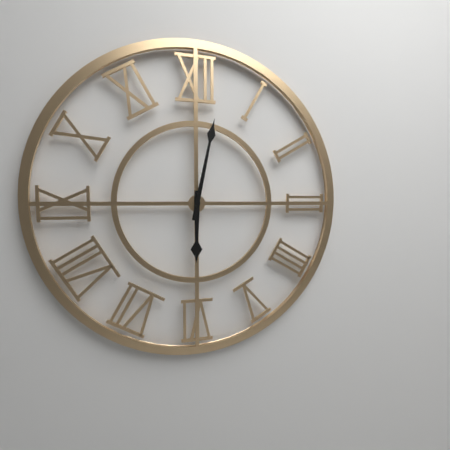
6h02
